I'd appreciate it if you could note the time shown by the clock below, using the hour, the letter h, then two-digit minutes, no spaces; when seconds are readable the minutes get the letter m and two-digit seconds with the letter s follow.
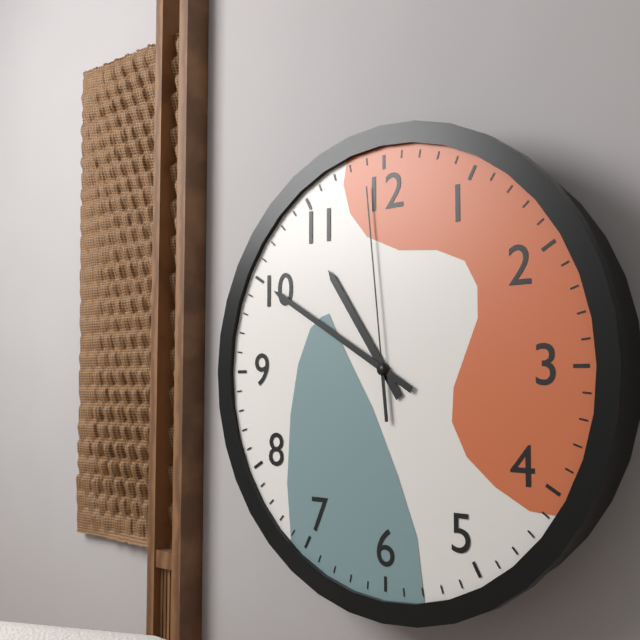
10h50m59s
